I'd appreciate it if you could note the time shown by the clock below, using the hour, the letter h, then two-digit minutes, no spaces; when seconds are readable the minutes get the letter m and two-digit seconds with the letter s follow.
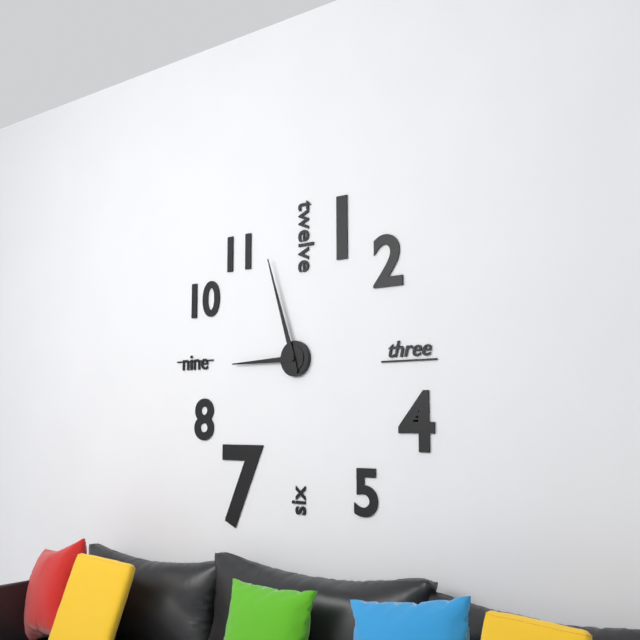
8h57
